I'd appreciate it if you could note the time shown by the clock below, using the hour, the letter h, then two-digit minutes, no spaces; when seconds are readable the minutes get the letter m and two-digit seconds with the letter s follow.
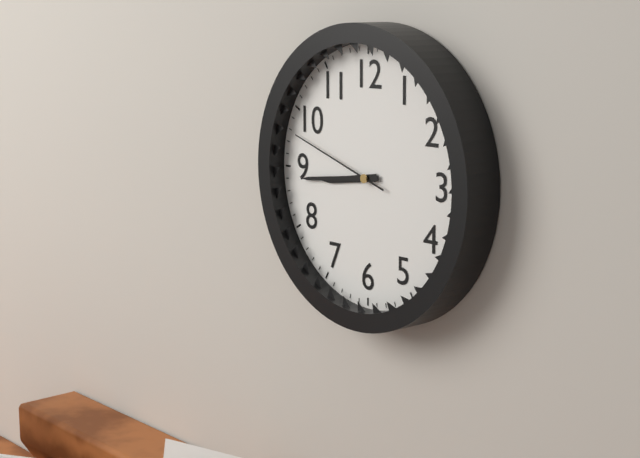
8h44m48s
